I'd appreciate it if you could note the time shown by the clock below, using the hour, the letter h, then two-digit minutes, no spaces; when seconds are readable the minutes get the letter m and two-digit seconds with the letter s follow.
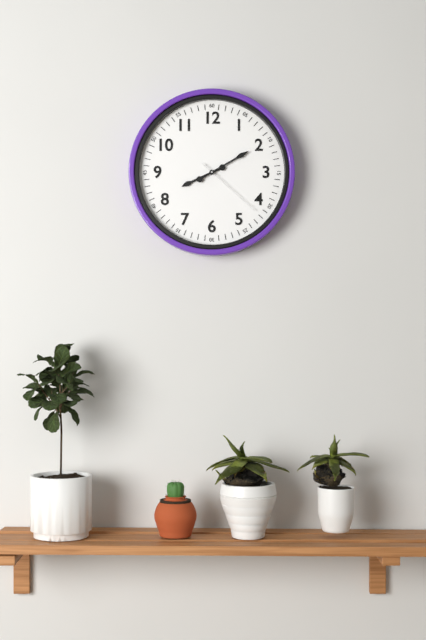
8h10m22s
